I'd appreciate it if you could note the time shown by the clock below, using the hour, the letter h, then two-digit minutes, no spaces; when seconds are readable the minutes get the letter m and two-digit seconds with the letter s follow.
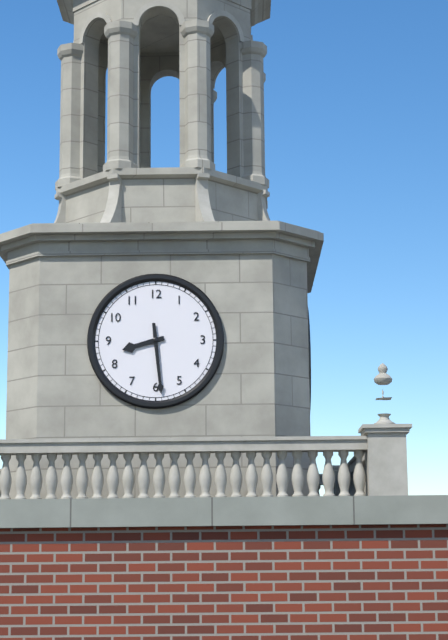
8h29
